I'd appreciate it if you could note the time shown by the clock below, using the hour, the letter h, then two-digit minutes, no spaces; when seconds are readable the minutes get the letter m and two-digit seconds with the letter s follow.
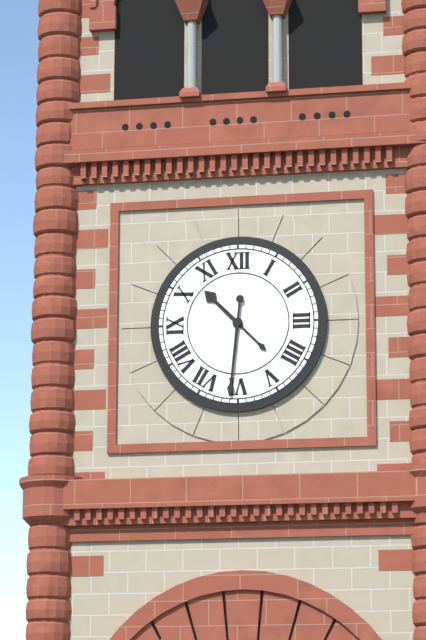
10h31
